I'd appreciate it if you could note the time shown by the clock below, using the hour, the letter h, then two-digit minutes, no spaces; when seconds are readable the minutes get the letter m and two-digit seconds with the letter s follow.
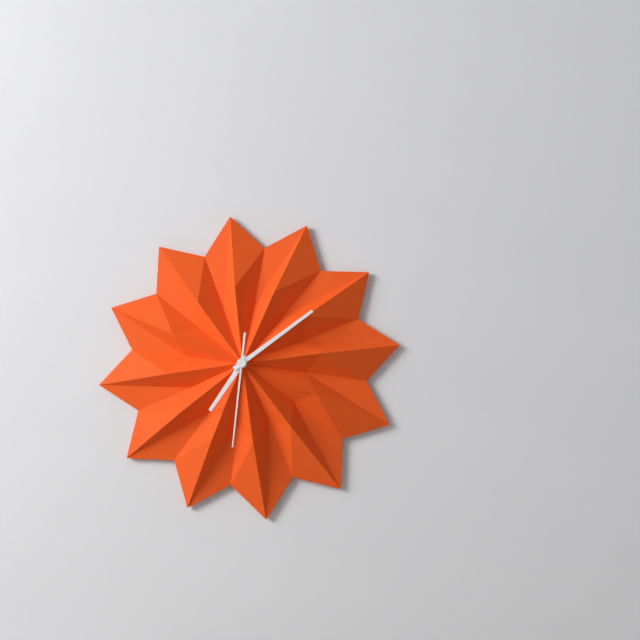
7h09m31s
